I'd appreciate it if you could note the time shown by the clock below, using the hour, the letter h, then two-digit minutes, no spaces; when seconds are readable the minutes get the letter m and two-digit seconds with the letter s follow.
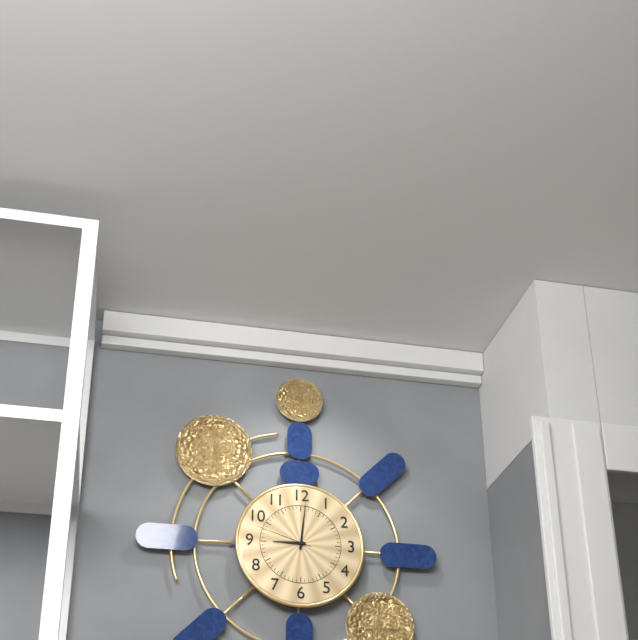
9h01m48s
